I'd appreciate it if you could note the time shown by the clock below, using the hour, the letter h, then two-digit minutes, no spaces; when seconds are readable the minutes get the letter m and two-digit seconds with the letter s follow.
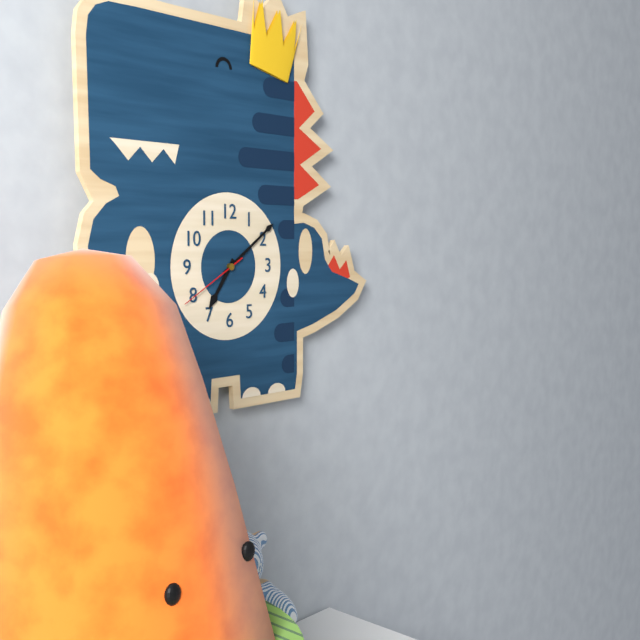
7h09m40s
